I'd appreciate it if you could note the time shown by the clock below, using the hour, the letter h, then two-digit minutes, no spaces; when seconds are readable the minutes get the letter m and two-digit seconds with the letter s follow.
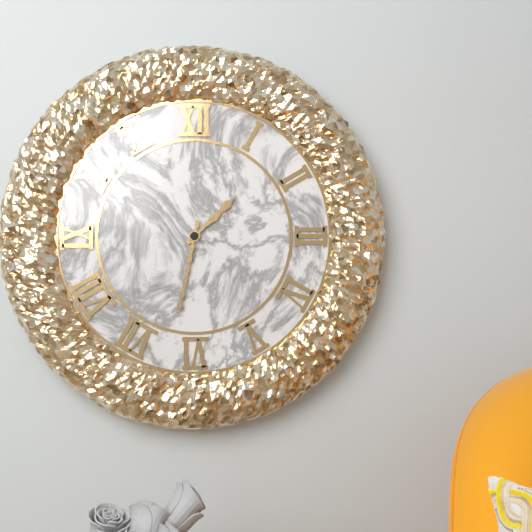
1h32
